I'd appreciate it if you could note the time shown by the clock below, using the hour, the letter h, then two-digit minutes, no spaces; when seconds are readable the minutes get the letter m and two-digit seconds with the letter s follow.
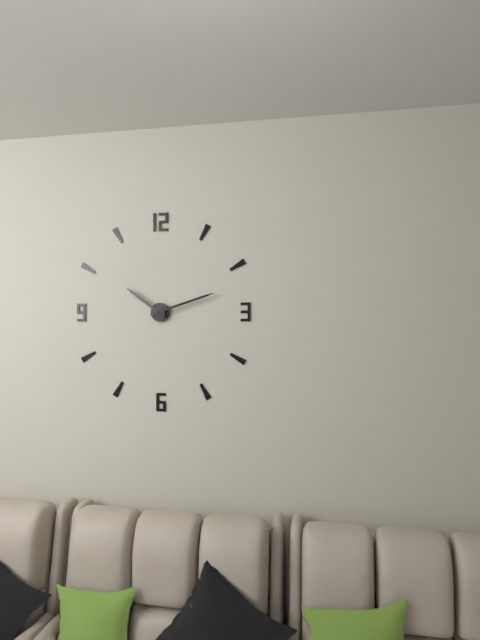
10h12
